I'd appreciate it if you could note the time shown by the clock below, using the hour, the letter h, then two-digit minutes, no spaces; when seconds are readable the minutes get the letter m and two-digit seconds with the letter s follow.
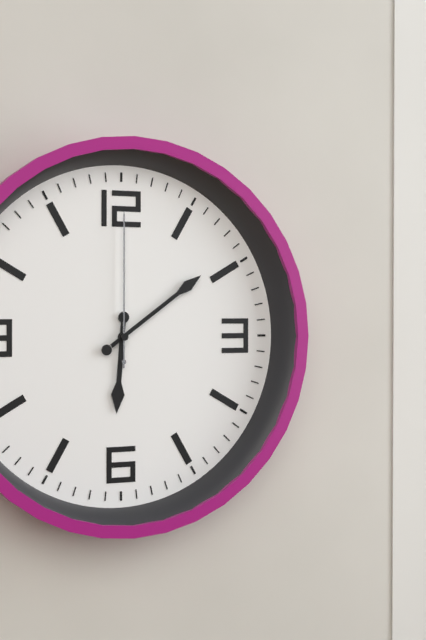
6h09m00s
